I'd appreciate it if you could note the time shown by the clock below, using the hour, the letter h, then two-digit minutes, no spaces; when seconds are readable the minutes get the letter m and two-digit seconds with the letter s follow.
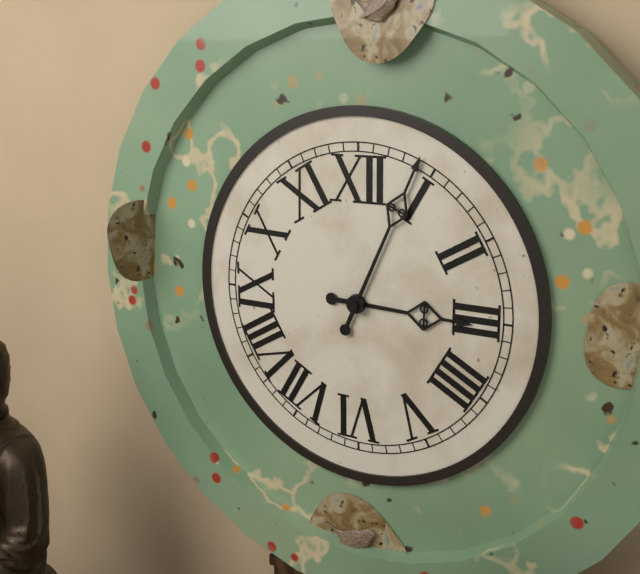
3h04
